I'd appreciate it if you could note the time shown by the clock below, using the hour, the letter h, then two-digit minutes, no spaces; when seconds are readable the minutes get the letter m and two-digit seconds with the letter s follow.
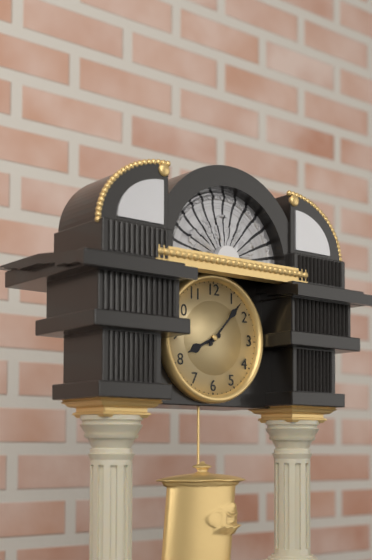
8h07
